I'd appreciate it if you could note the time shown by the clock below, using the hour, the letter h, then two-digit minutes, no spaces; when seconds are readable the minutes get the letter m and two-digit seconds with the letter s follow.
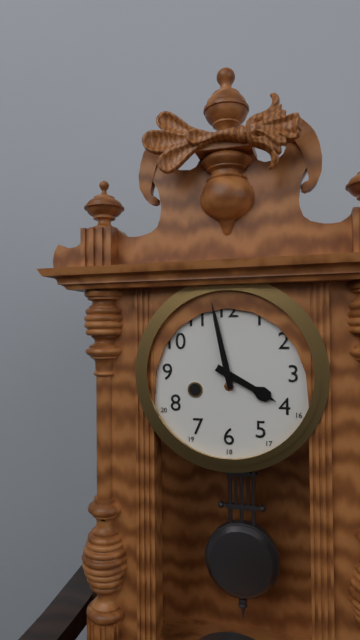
3h58
